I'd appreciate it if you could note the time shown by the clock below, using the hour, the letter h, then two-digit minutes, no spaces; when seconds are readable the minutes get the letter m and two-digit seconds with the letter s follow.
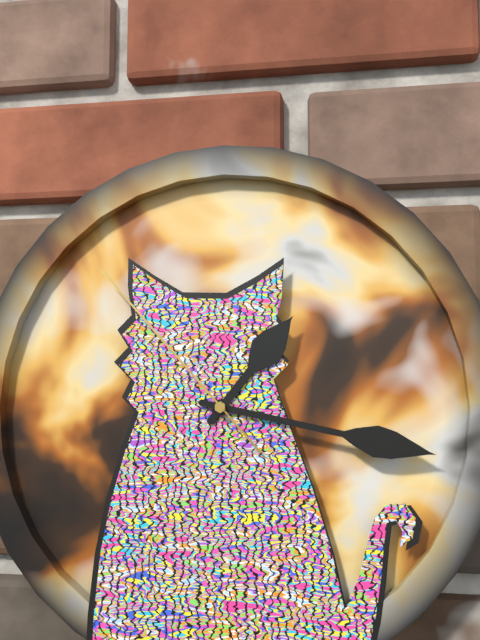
1h17m53s
